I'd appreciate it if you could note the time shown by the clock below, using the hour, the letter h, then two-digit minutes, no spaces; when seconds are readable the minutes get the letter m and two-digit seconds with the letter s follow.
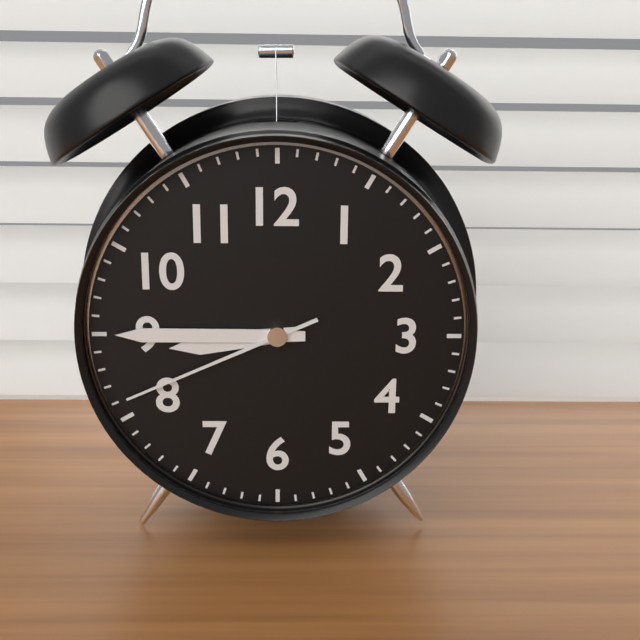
8h45m41s
